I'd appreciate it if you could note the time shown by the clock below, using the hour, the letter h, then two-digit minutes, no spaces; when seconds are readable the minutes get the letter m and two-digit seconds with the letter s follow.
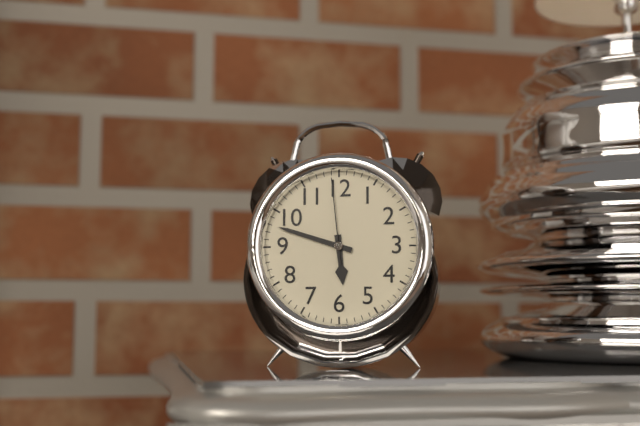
5h48m59s
